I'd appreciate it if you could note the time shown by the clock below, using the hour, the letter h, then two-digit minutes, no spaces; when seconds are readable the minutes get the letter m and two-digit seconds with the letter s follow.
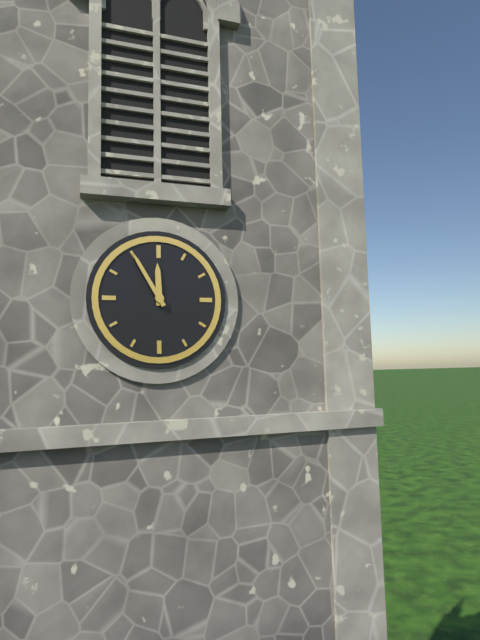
11h55
